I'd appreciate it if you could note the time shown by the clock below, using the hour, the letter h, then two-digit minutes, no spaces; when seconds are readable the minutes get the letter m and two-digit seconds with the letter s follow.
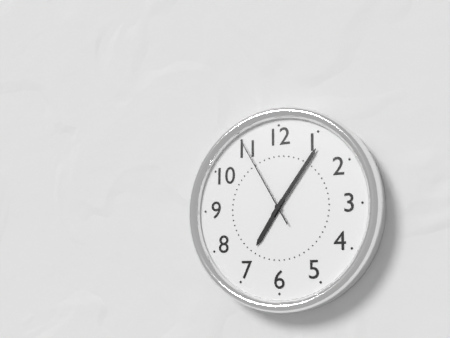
7h06m55s
